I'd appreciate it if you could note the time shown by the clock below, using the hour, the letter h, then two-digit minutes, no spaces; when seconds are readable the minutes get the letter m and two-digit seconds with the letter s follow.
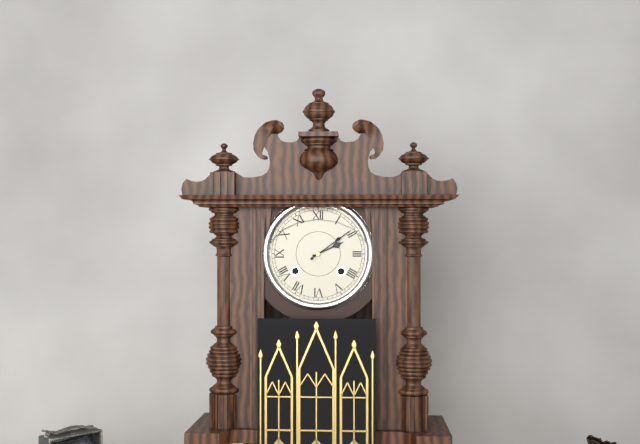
2h09
